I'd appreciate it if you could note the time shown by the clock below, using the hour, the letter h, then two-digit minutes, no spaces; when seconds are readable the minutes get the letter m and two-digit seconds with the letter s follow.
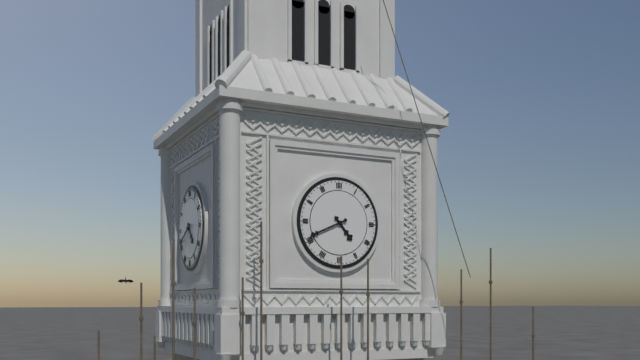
4h41
